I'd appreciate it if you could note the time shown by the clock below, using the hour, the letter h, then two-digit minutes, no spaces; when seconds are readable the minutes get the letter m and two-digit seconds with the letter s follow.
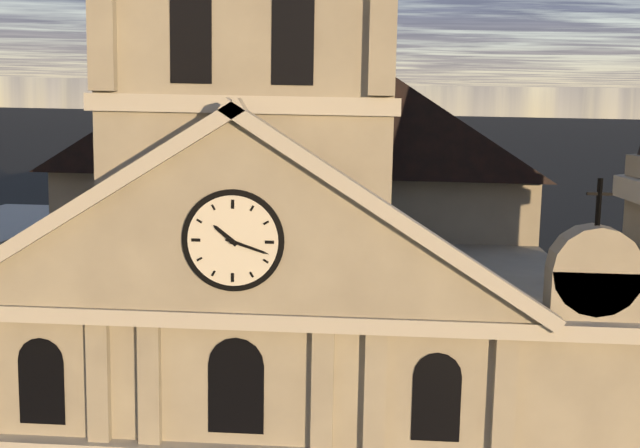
10h18
